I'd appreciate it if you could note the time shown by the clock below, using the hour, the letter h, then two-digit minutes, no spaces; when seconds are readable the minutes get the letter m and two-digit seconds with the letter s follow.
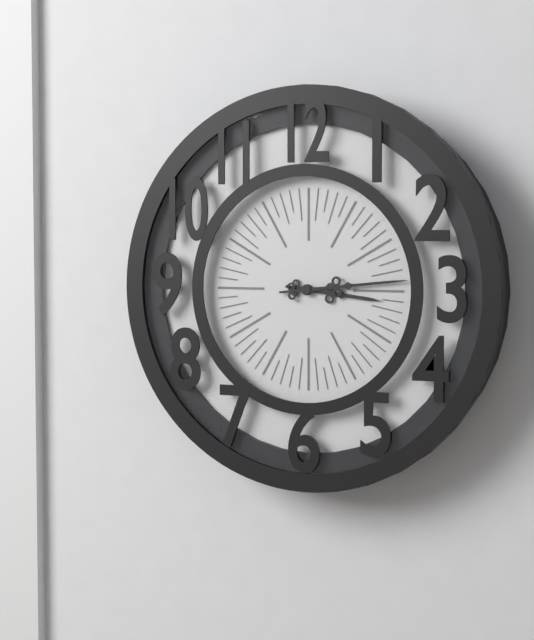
3h14
